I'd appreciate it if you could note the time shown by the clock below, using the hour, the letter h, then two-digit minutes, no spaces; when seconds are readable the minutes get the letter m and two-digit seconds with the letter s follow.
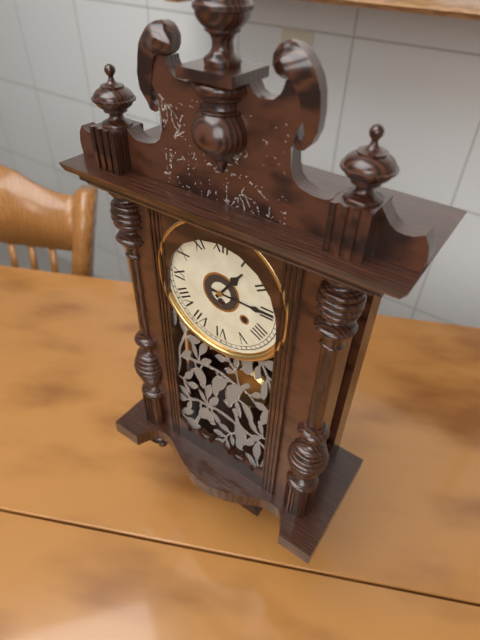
1h15
